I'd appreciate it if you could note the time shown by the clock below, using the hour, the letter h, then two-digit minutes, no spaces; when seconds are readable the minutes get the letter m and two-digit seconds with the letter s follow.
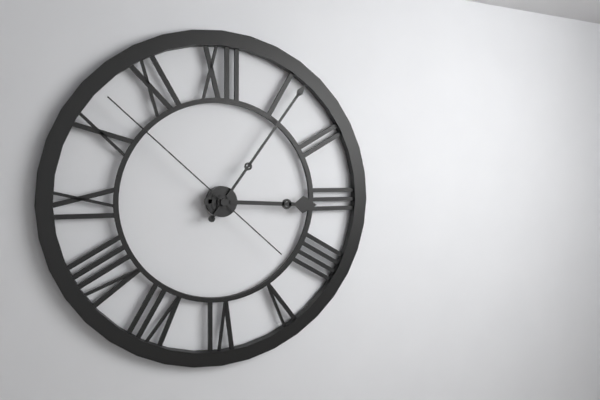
3h06m52s
